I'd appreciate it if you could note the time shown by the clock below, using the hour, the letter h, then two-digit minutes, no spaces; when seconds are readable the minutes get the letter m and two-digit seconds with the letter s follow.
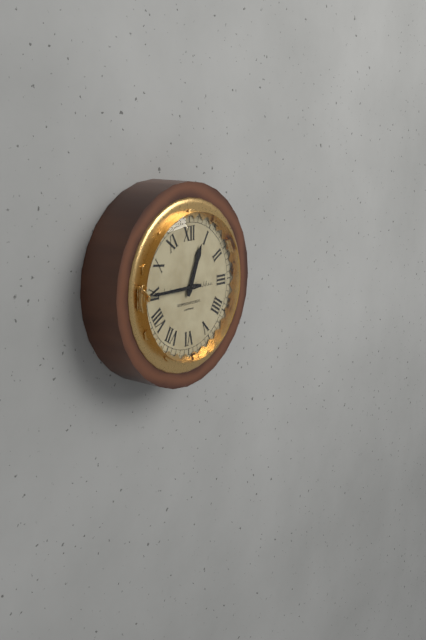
12h45
